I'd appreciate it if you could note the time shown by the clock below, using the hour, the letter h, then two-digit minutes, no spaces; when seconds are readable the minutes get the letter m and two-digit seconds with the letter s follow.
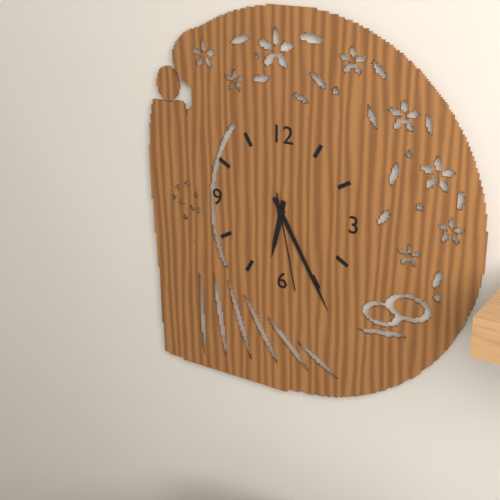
6h25m28s
